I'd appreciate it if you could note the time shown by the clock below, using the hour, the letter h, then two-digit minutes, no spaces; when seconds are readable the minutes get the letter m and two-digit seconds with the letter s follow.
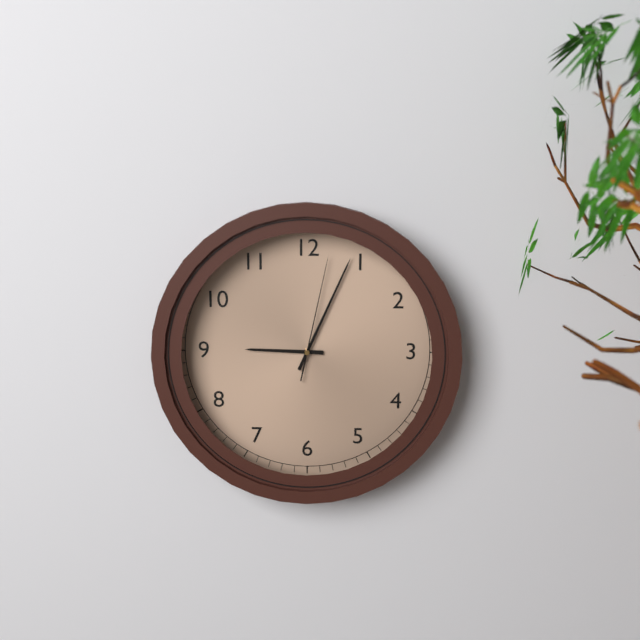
9h04m02s
